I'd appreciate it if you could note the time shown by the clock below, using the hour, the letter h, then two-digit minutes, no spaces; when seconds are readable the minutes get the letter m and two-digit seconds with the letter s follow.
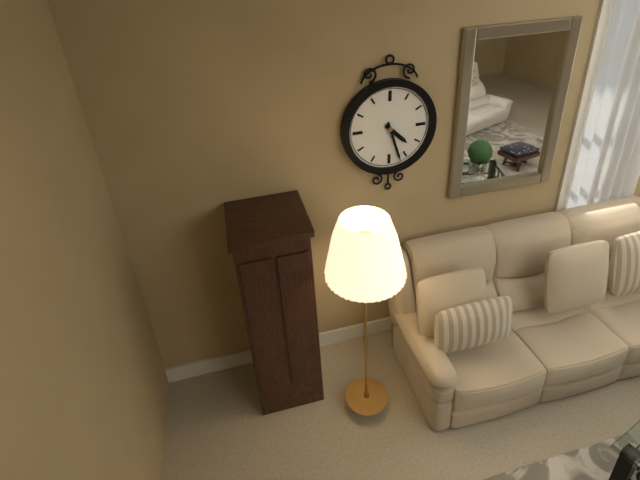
4h27
